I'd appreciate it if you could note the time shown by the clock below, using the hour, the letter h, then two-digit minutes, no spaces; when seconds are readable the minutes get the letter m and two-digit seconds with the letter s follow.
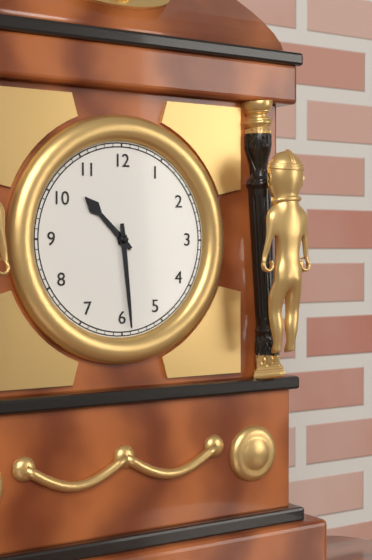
10h29
